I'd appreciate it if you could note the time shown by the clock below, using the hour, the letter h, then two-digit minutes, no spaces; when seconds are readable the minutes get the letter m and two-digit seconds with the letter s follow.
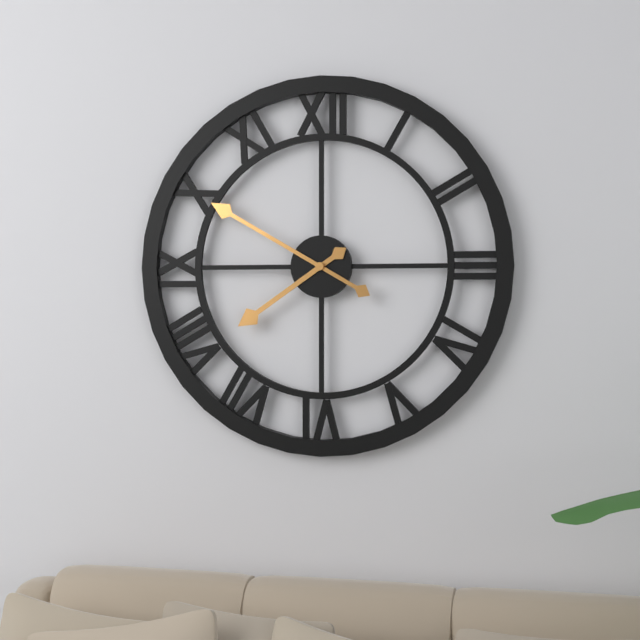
7h50
